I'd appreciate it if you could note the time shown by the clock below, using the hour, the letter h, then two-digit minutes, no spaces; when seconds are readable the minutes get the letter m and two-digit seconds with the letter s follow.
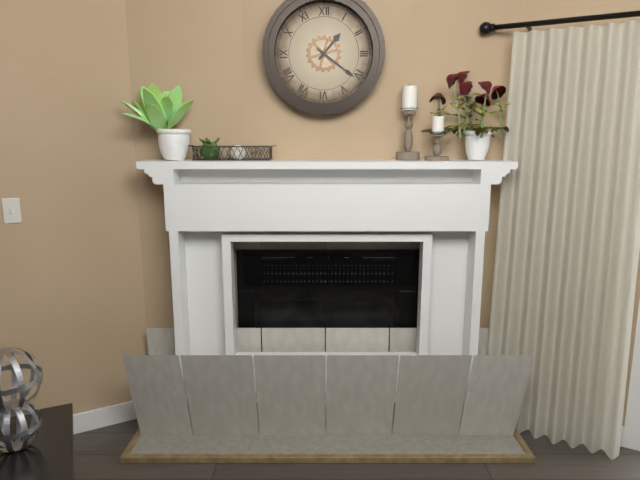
1h21
